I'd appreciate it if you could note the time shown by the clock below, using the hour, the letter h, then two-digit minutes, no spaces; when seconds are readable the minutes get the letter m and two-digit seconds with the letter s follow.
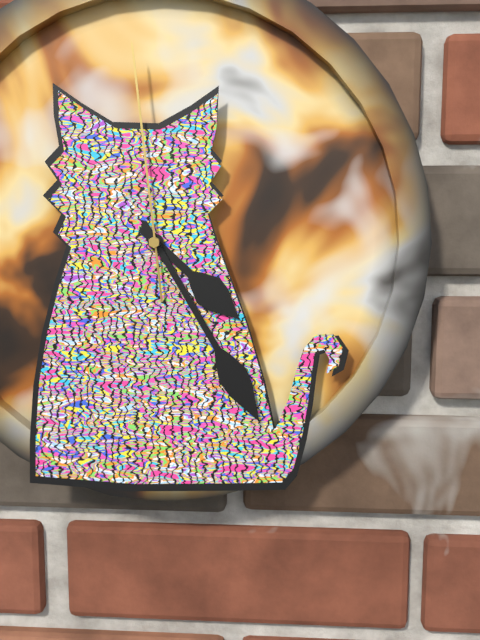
4h25m59s
